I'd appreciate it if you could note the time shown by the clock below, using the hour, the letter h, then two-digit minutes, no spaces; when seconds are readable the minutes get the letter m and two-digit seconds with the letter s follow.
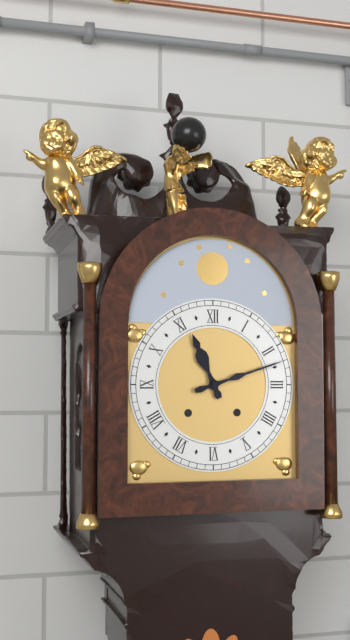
11h12
